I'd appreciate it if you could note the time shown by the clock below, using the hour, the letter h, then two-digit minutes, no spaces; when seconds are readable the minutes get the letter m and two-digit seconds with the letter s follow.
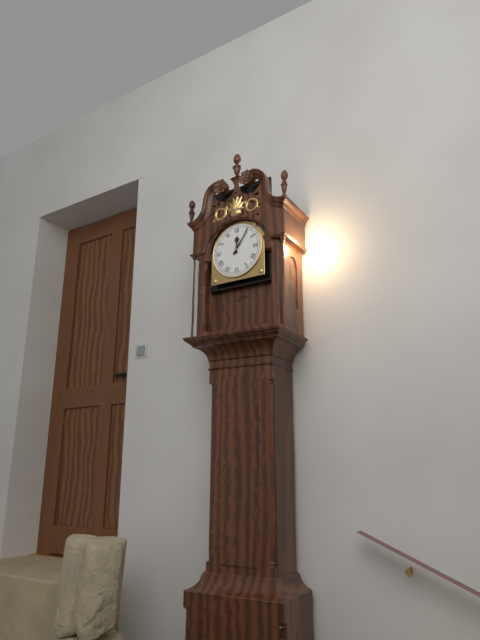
12h06
